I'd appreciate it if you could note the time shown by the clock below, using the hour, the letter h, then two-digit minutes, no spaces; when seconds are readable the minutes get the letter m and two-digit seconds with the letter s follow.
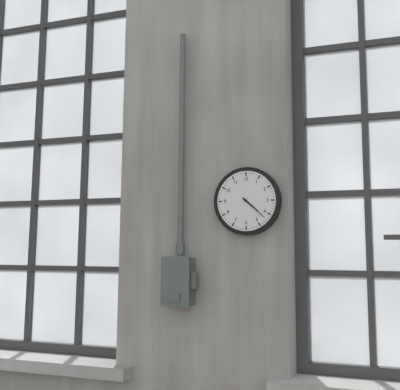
4h22
